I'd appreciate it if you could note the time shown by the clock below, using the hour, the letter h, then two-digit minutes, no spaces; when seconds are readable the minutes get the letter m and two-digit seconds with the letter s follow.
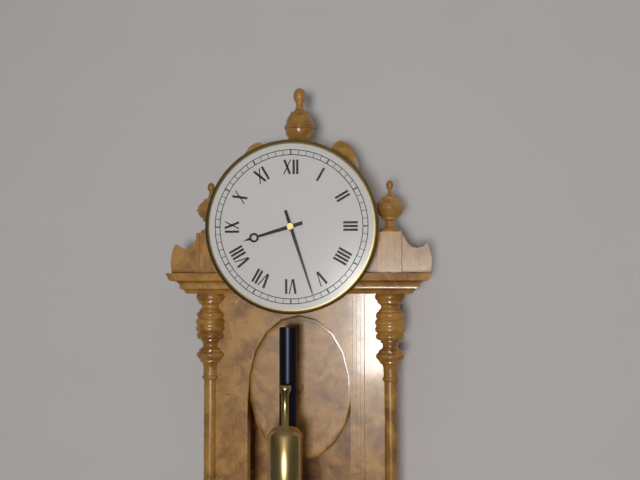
8h27
